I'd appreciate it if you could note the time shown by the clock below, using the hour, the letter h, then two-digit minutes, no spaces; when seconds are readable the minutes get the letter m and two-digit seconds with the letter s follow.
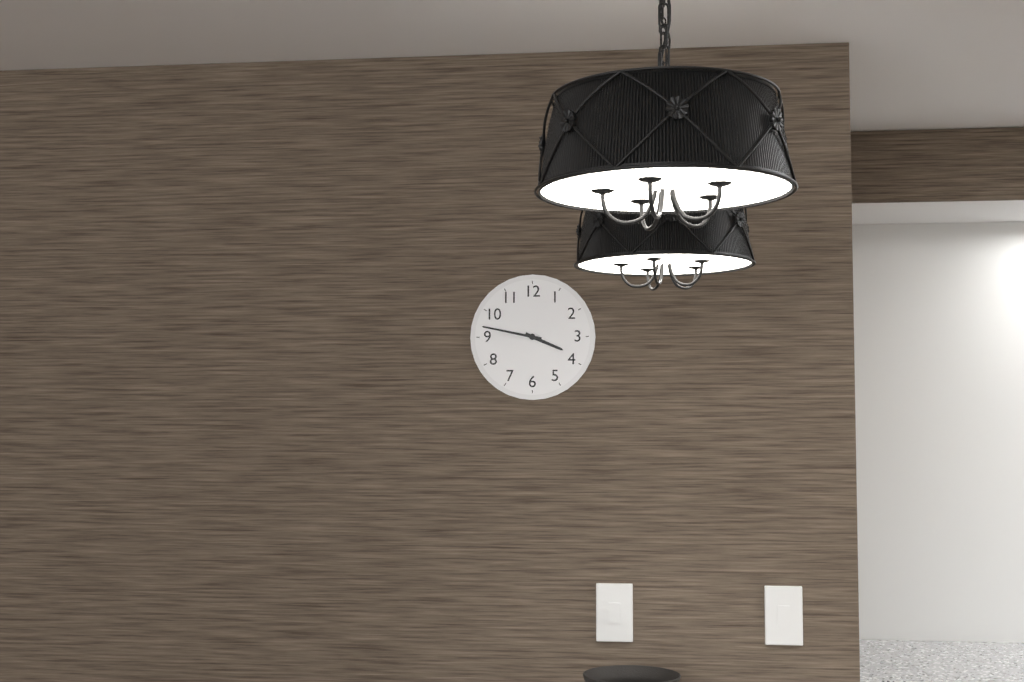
3h47
